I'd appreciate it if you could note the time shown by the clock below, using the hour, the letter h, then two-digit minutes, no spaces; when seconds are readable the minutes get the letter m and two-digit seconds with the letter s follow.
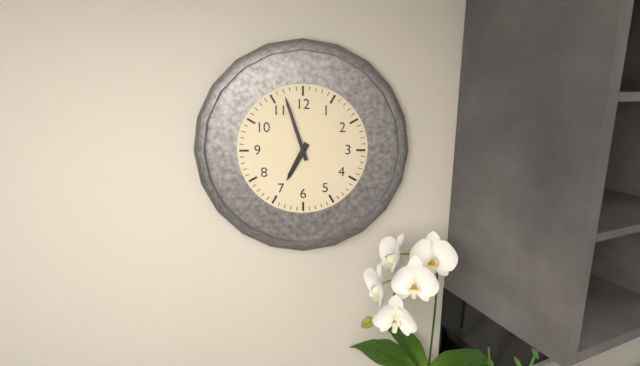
6h57
